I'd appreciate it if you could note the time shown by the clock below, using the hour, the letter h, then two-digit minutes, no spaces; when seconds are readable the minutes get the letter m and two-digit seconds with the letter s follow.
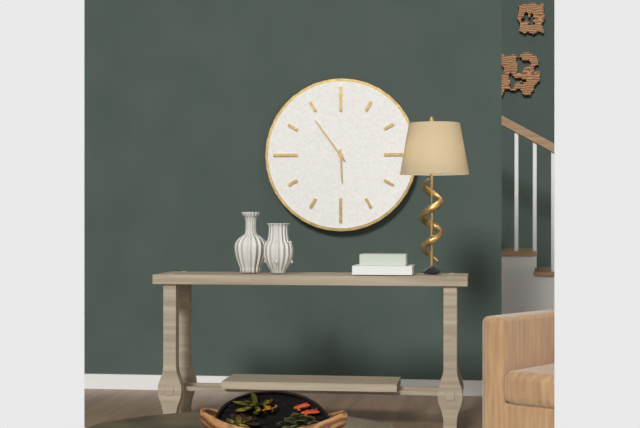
5h54
